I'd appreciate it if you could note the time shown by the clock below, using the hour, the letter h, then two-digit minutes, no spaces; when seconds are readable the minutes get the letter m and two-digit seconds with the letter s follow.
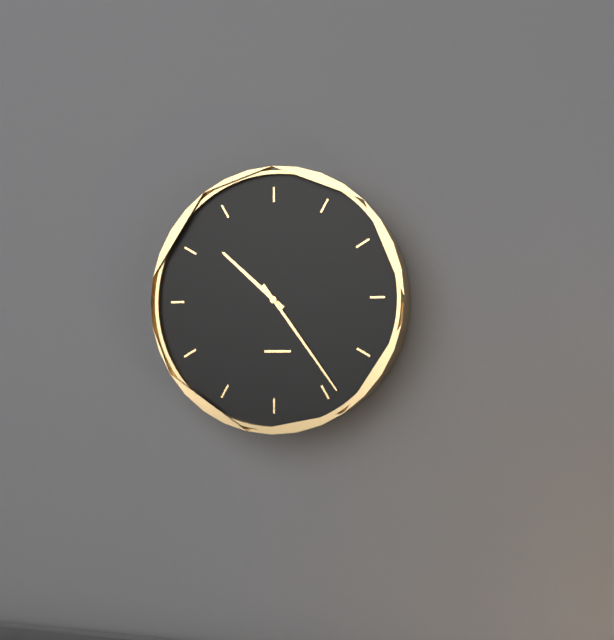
10h24
